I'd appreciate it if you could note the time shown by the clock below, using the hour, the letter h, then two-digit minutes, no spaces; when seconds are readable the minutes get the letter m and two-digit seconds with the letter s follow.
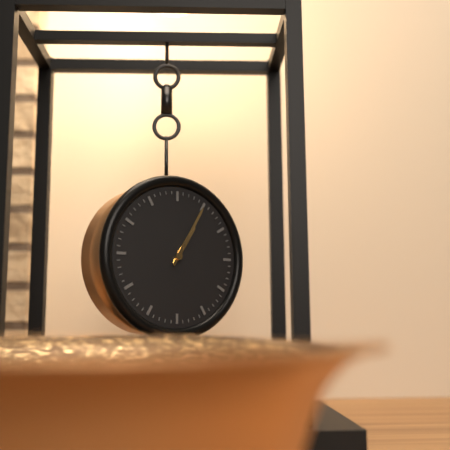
1h05
